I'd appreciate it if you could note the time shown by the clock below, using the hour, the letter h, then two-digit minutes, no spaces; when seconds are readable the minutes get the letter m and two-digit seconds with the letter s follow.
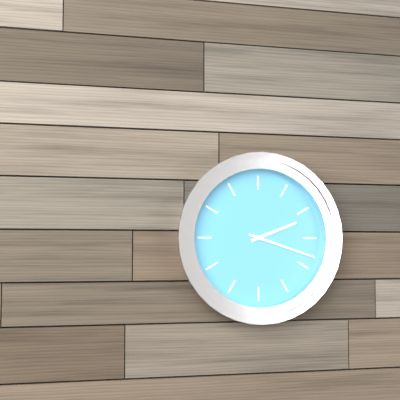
2h18
